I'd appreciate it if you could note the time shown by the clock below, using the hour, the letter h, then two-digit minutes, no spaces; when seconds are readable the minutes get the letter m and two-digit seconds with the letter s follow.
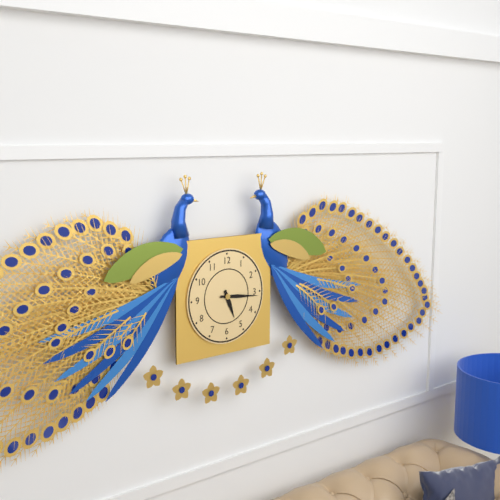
5h16
